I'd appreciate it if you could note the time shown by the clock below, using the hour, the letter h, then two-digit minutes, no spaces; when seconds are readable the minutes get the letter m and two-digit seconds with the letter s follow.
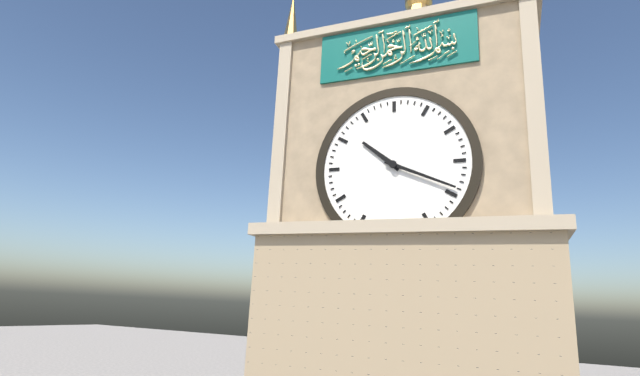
10h19
